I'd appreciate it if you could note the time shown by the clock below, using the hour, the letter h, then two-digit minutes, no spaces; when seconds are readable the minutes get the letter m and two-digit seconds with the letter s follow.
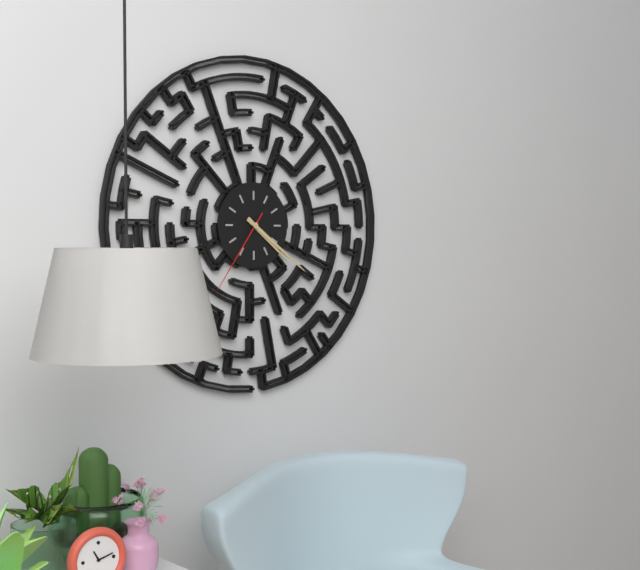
4h21m36s
